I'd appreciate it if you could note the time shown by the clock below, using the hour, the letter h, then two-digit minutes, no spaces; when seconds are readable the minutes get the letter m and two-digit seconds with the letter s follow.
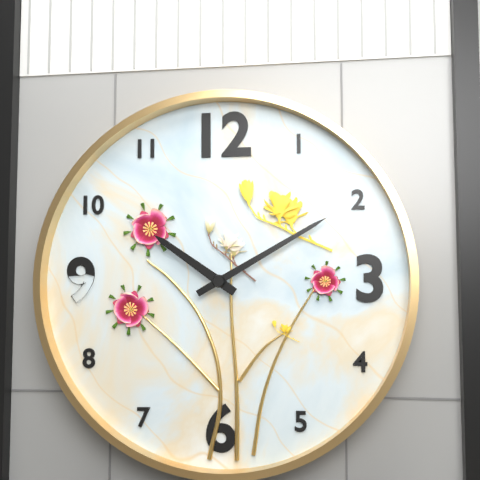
10h10
